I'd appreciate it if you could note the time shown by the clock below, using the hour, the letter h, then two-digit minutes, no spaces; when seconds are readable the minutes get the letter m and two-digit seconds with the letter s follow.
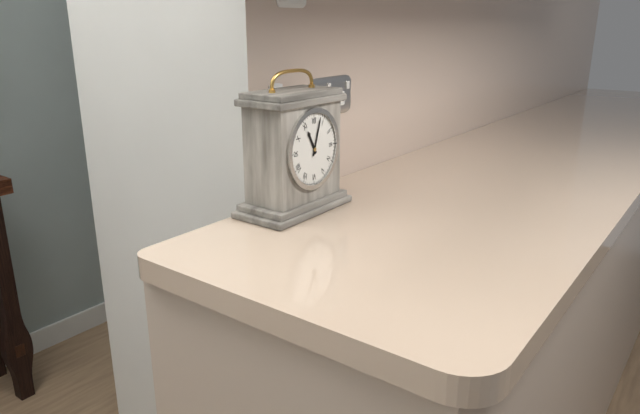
11h03
